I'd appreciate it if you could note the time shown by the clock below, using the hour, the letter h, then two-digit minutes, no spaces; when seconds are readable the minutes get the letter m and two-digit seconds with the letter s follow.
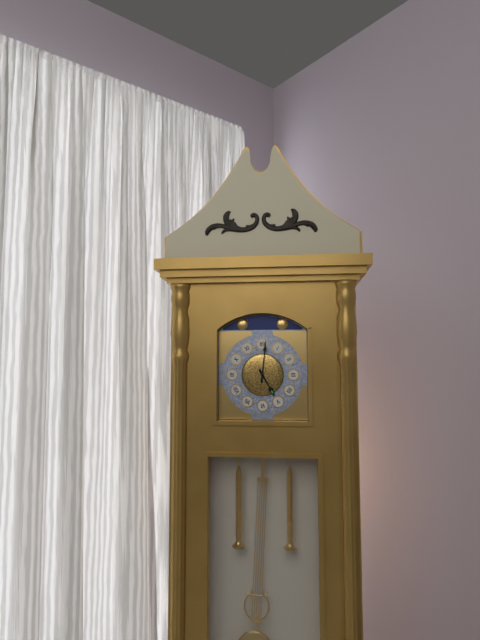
5h01
